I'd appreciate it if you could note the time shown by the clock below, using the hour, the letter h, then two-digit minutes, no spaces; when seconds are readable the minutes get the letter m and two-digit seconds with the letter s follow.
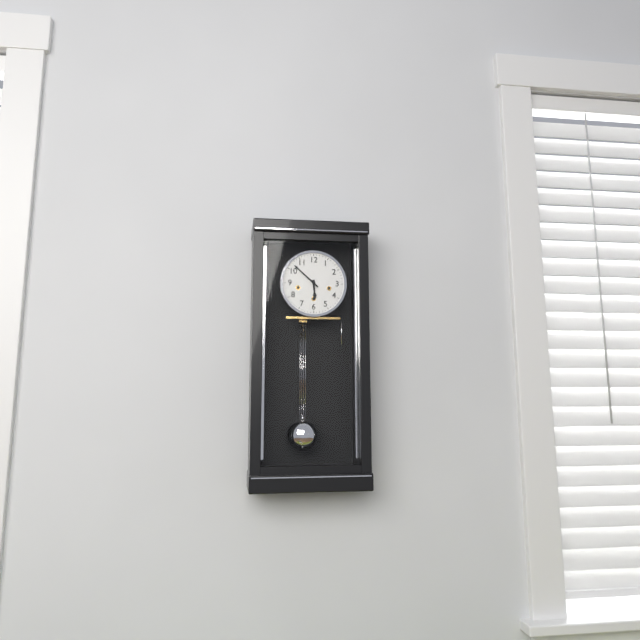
5h52
